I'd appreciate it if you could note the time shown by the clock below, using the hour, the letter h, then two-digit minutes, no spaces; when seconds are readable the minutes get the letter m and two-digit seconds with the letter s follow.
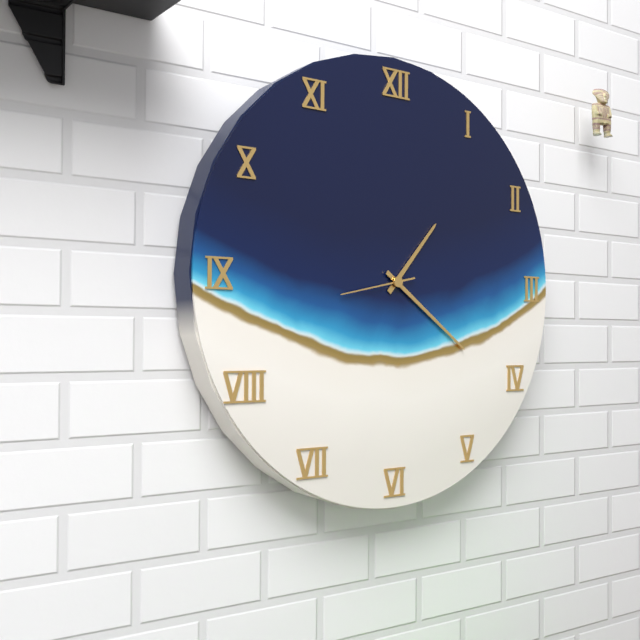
1h21m43s
